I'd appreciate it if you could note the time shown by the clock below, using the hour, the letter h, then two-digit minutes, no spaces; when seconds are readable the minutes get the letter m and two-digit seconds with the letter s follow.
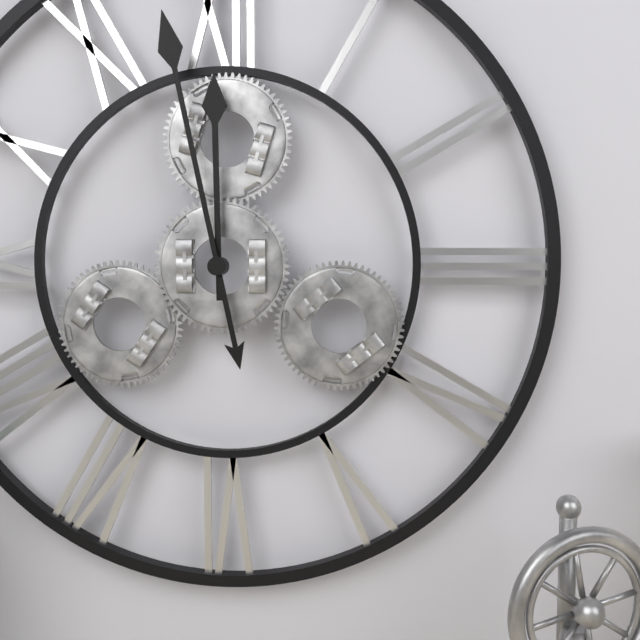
11h58
